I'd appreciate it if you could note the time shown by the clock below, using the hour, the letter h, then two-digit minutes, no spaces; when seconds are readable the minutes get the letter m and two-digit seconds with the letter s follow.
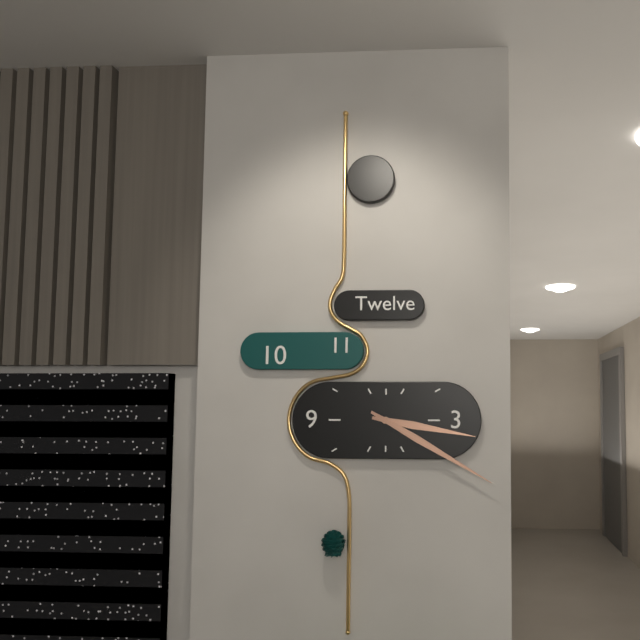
3h20
